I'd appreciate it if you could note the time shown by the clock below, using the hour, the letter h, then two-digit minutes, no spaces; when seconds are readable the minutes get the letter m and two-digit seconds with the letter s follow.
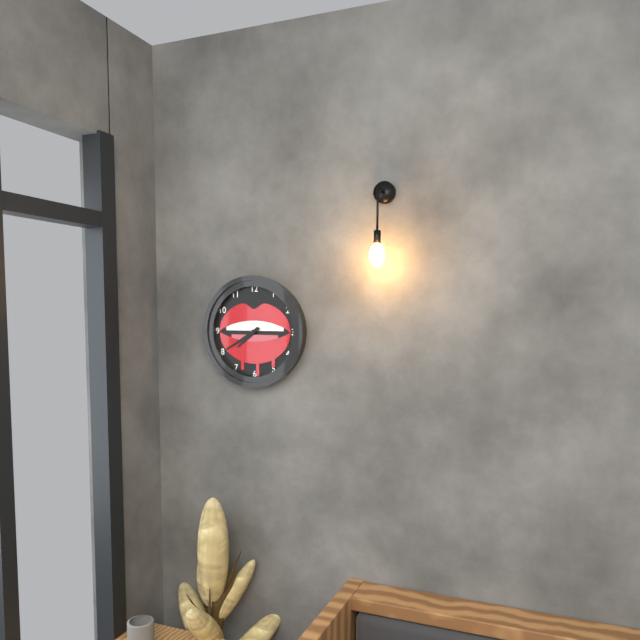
7h40
